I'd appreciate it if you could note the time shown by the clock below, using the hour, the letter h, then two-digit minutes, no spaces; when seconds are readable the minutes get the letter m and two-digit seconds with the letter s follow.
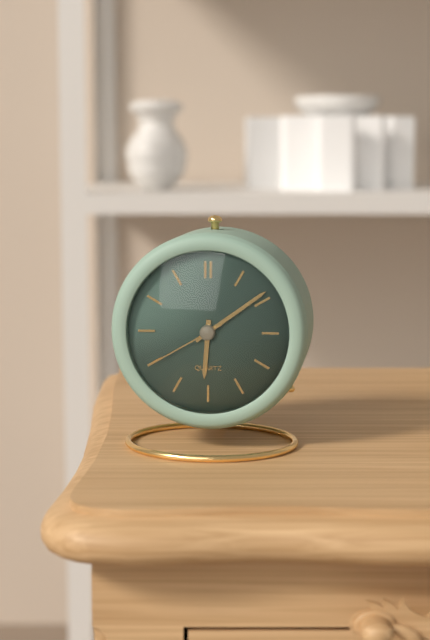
6h09m40s
